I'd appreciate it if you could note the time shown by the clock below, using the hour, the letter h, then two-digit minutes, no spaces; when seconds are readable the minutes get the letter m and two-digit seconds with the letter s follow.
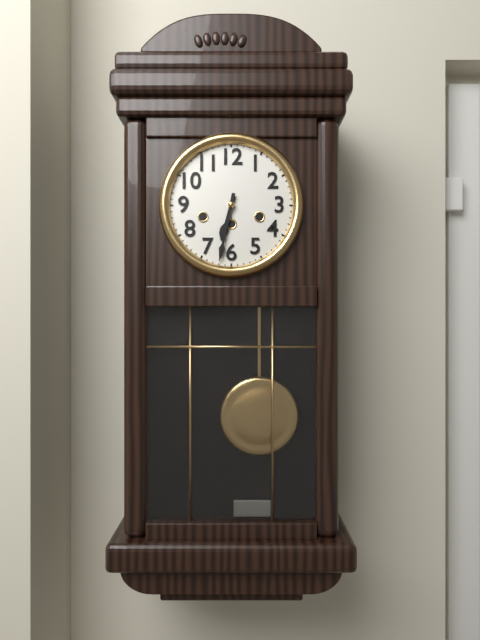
6h32
